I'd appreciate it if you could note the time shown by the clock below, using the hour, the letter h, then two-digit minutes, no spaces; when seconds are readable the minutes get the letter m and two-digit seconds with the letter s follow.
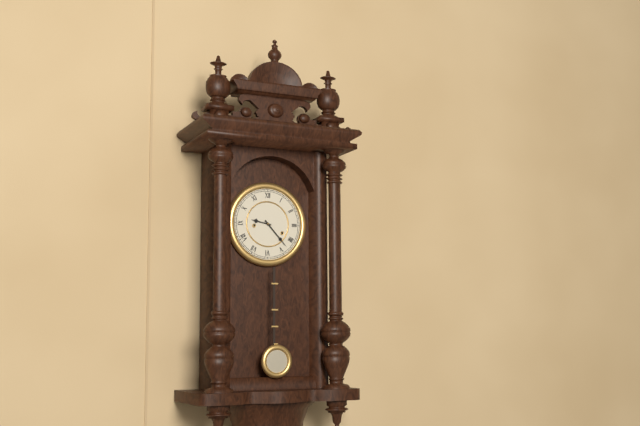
9h23
